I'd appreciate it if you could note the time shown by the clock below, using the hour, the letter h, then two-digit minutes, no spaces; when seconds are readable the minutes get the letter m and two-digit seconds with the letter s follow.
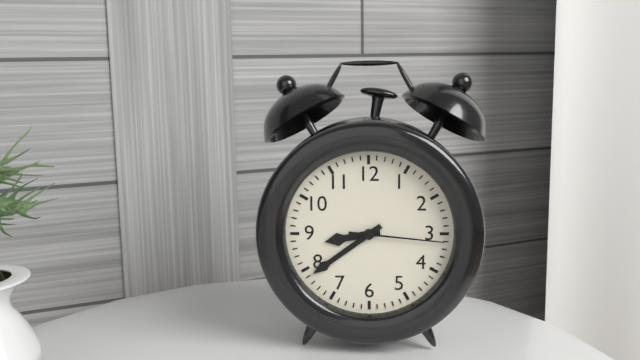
8h39m16s
